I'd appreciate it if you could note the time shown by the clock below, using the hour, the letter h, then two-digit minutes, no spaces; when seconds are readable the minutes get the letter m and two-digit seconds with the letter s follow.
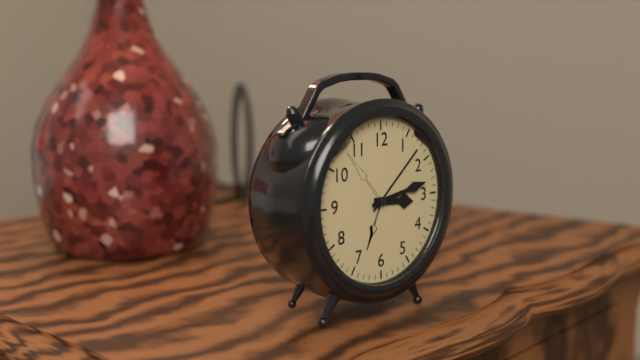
3h13
